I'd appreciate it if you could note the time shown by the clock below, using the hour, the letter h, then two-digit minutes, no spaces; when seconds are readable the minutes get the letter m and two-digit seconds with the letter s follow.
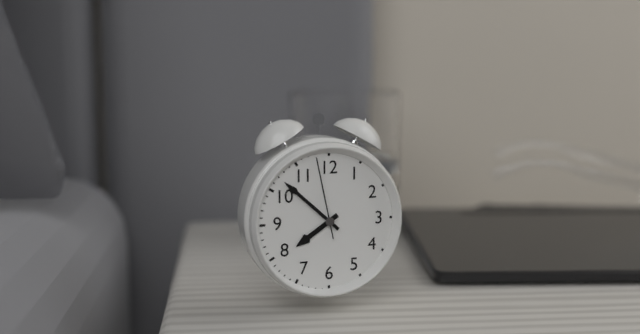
7h52m58s
